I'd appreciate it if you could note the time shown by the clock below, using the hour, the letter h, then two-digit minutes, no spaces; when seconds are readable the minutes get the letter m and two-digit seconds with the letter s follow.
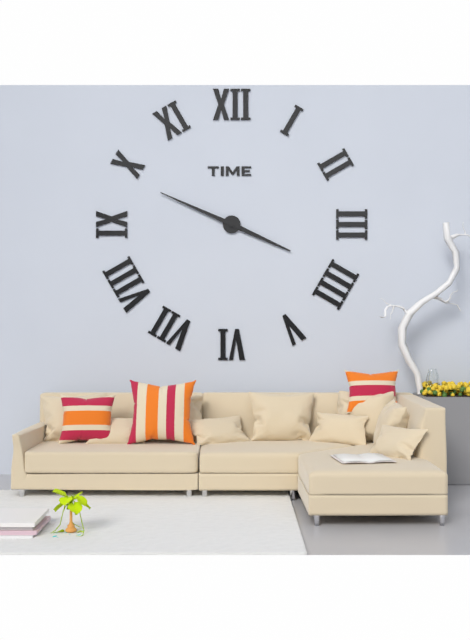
3h49
